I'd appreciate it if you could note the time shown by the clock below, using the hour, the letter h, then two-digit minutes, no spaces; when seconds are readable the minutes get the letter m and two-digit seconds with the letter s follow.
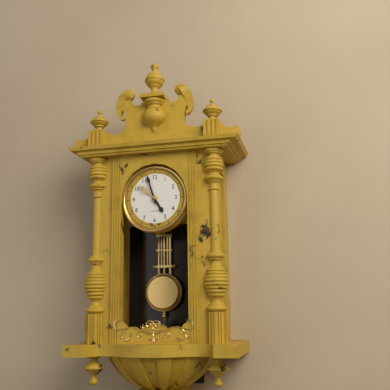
4h57
